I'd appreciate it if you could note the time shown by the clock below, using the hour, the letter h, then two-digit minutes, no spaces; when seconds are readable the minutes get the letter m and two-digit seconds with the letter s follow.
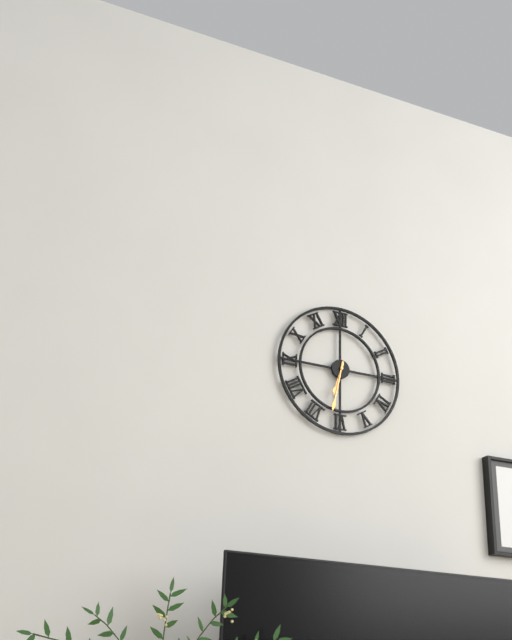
6h32
